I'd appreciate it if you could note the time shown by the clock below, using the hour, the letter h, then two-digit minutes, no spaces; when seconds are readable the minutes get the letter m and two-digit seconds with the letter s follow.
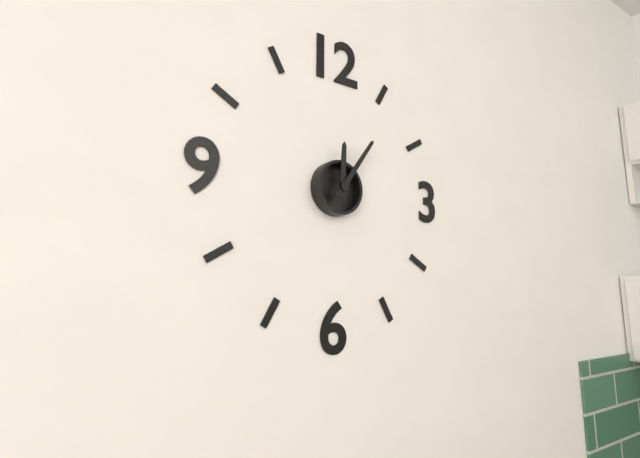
12h06
